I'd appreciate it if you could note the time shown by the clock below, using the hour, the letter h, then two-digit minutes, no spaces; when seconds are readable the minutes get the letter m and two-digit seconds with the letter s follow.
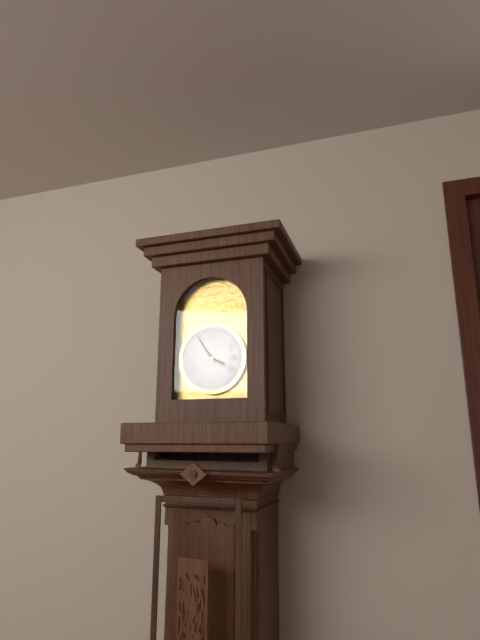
3h54
